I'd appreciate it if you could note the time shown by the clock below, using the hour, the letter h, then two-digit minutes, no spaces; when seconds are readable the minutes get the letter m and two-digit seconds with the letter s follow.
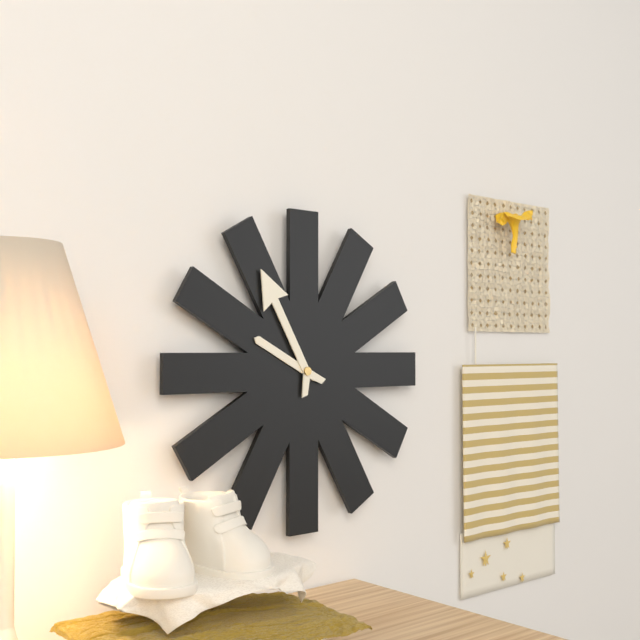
9h55
